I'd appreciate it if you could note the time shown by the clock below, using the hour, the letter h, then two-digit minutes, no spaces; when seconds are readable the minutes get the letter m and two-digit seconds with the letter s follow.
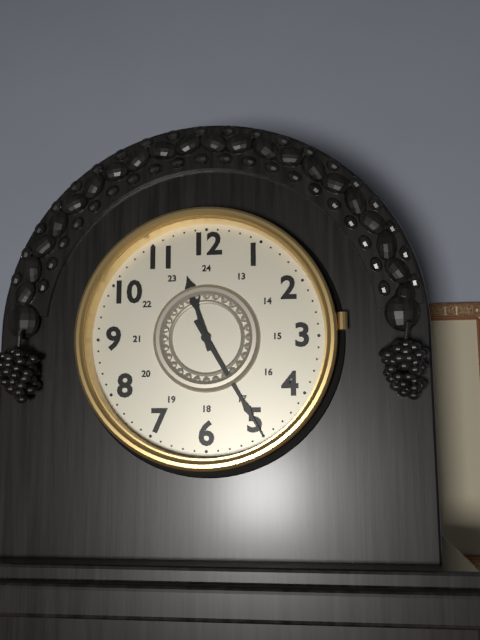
11h25
